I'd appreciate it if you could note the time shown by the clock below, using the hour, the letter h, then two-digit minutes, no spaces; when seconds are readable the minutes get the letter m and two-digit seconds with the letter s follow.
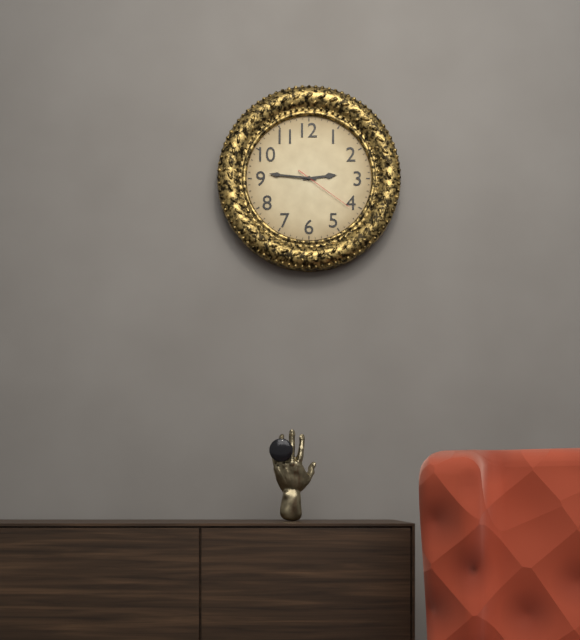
2h46m21s
